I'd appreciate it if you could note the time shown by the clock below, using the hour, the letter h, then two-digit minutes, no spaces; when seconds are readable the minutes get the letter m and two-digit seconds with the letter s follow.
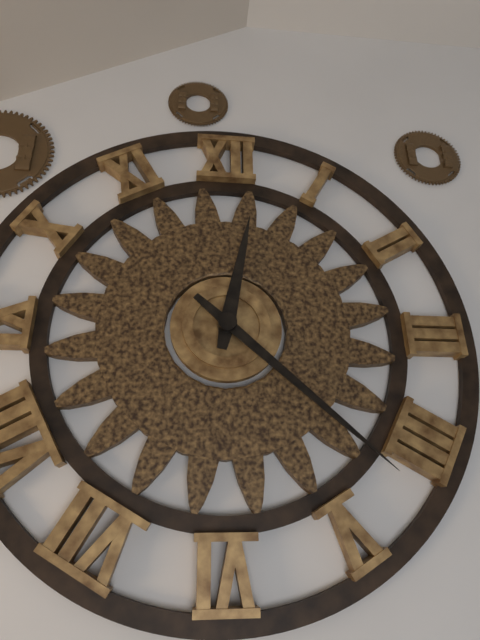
12h22
